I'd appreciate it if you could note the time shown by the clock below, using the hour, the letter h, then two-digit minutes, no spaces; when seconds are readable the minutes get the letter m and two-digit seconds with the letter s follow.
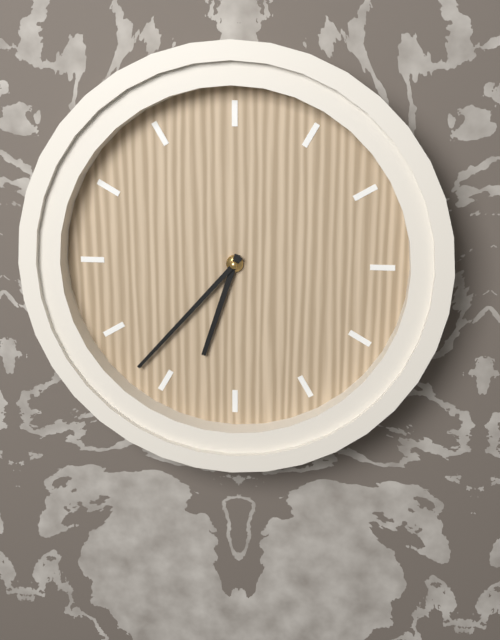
6h37
